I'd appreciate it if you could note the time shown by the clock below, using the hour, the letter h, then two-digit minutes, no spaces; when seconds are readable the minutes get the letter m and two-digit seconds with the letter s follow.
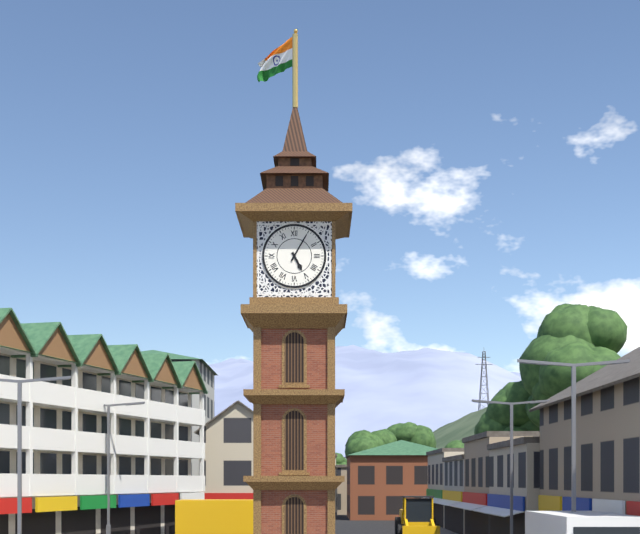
5h05
